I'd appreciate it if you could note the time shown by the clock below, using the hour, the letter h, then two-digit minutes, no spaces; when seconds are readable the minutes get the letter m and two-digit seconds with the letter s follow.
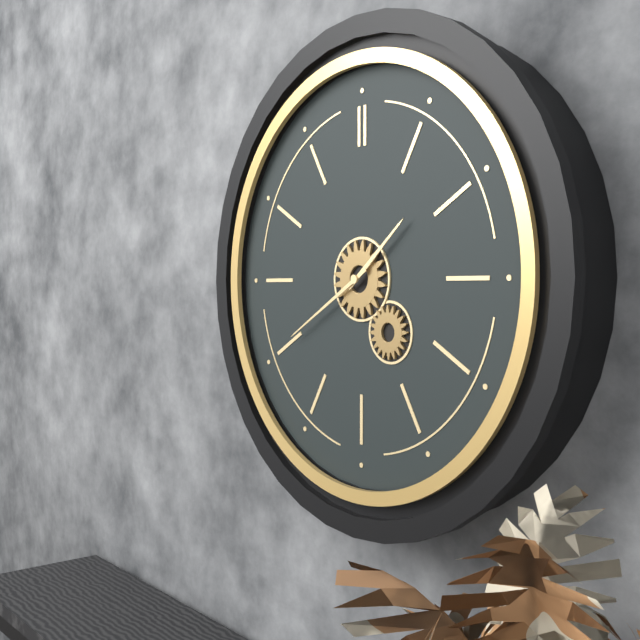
1h40
